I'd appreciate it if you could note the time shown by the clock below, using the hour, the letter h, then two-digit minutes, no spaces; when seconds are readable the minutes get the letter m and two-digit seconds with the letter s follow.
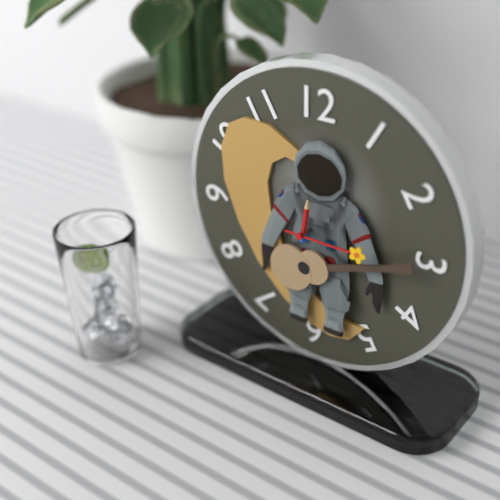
12h15
